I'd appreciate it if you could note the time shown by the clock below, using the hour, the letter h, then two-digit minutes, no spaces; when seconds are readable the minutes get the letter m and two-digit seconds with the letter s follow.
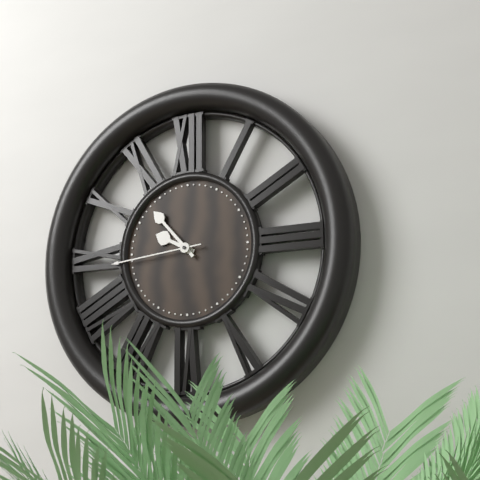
9h53m44s
